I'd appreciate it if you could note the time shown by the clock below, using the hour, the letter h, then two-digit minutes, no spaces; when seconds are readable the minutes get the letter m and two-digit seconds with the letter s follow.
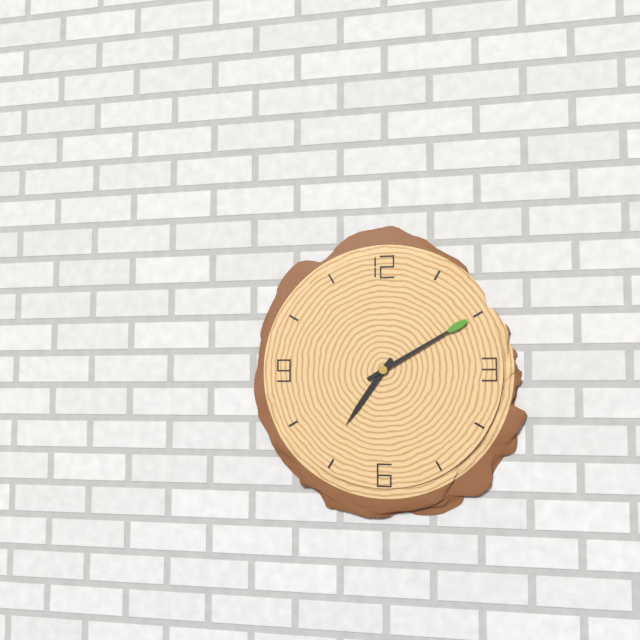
7h10
